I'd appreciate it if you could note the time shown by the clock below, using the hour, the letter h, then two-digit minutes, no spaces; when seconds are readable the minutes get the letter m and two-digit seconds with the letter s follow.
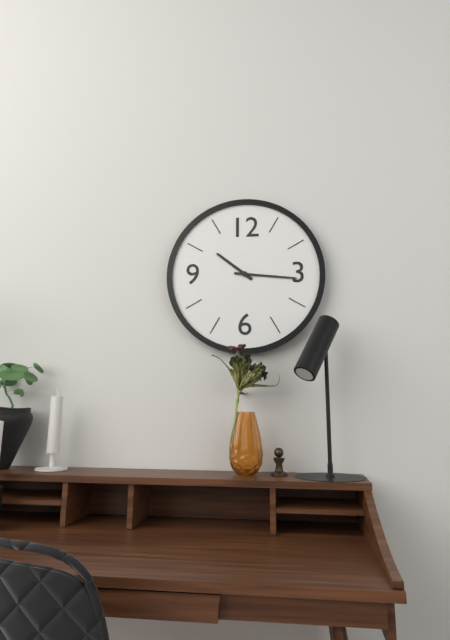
10h16
